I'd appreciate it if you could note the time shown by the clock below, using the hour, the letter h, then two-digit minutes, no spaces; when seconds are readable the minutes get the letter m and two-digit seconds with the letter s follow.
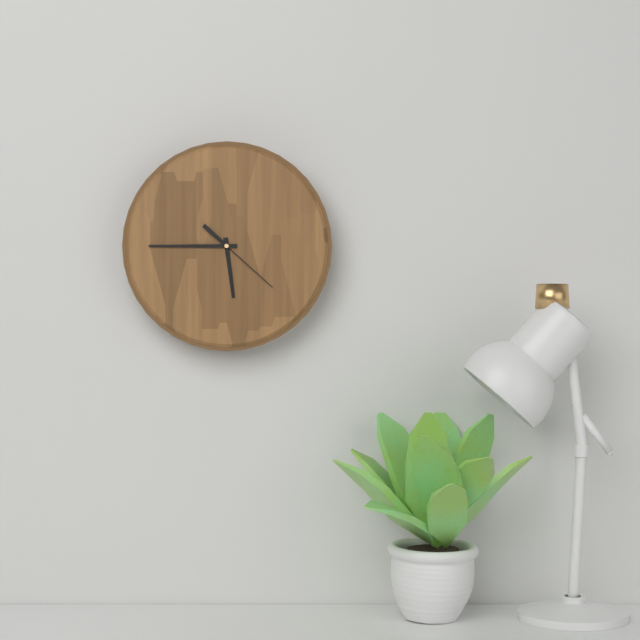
5h45m22s
